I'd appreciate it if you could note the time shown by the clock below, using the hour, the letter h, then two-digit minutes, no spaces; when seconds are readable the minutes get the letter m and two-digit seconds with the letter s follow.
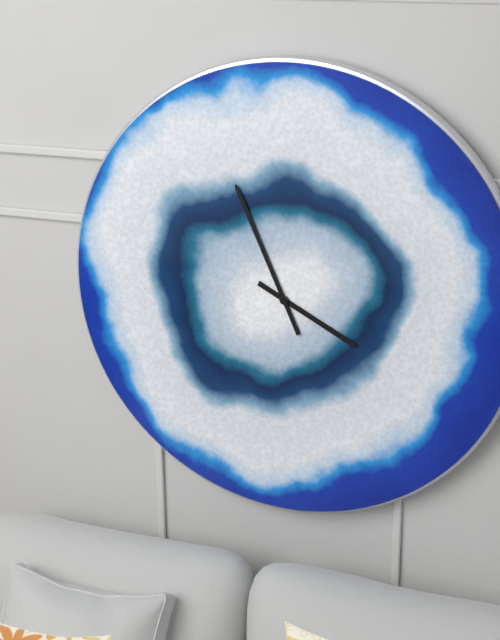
3h56
